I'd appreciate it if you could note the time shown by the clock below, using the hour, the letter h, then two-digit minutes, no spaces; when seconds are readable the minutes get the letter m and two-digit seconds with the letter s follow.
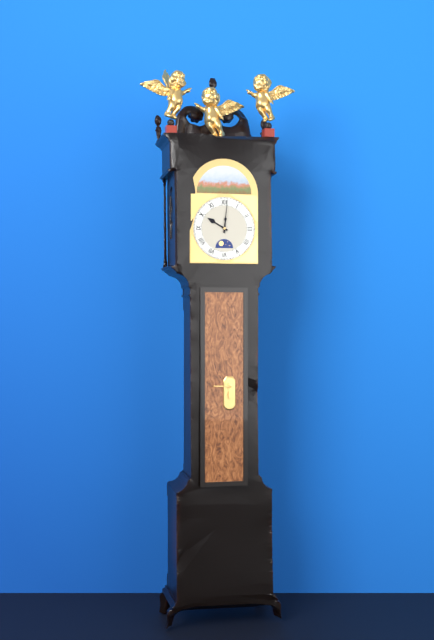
10h01
